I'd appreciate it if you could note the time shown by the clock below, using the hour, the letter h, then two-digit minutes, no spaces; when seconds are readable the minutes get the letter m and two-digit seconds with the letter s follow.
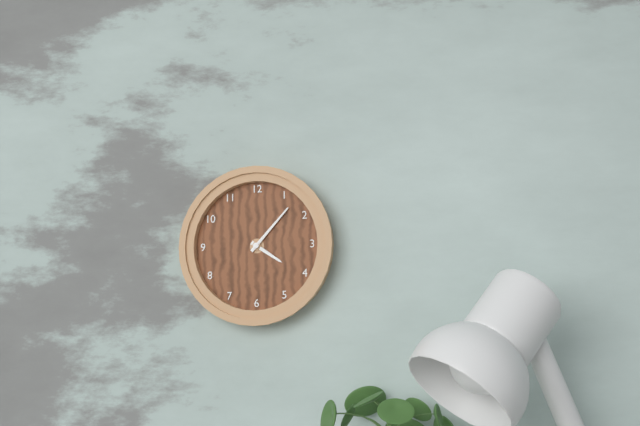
4h07
